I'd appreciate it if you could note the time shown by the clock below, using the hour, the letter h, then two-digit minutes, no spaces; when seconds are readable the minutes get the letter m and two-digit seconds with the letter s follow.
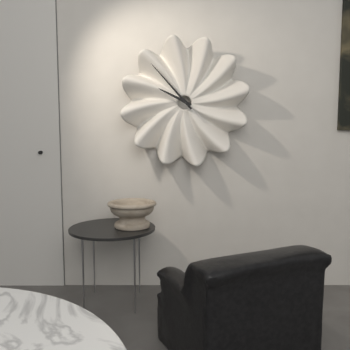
9h53
